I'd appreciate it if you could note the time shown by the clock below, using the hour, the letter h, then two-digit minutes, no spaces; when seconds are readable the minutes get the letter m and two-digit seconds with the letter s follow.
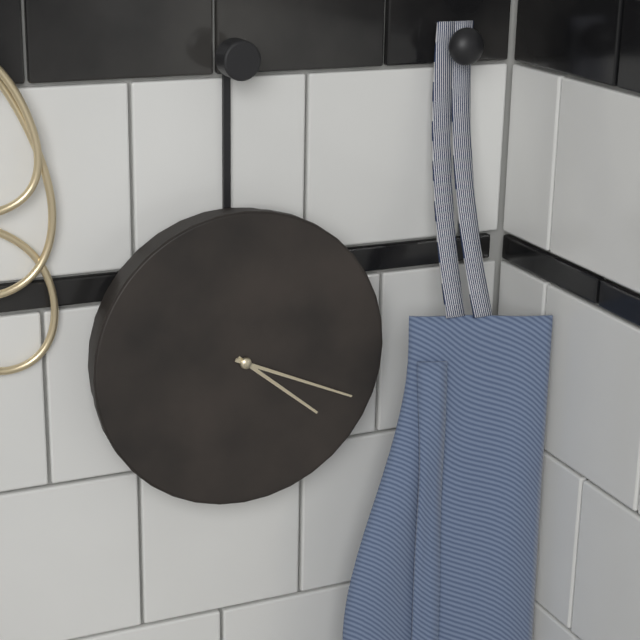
4h19
